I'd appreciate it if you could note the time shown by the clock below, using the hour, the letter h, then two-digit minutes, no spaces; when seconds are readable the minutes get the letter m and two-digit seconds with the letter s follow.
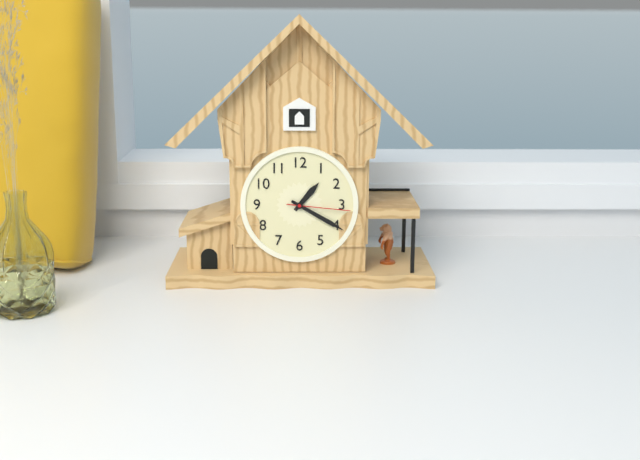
1h20m16s
